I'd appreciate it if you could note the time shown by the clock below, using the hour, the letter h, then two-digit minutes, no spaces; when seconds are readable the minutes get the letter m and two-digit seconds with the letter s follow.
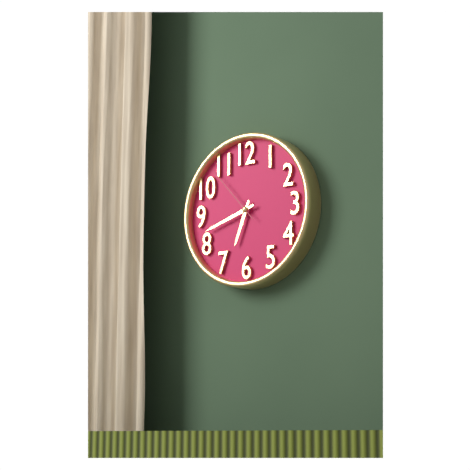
6h42m53s
